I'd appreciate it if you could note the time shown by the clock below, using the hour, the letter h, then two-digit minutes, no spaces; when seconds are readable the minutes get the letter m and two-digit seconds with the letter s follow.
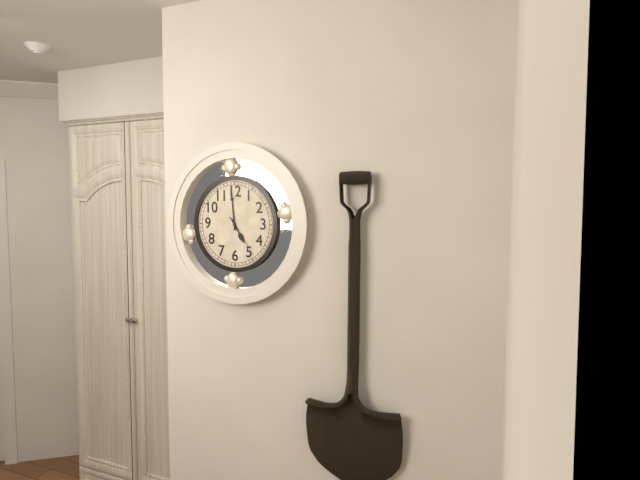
4h59
